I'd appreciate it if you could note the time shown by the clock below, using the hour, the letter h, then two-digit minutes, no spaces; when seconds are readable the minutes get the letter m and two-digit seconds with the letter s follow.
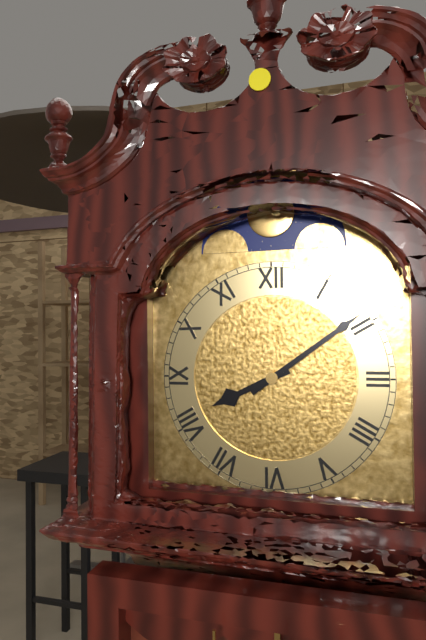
8h09
